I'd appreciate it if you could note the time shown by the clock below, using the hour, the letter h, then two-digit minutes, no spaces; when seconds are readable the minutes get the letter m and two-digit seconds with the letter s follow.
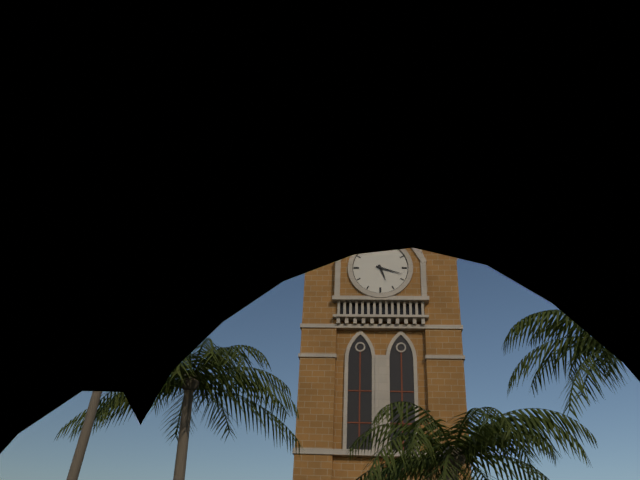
5h18
